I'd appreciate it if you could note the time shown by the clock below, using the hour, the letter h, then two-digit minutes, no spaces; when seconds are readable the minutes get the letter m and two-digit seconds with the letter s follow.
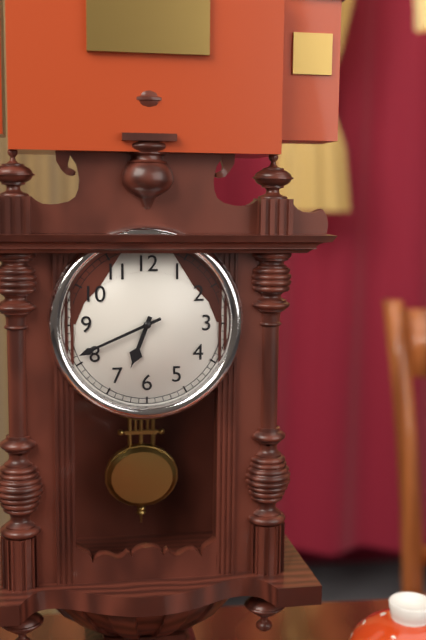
6h41
